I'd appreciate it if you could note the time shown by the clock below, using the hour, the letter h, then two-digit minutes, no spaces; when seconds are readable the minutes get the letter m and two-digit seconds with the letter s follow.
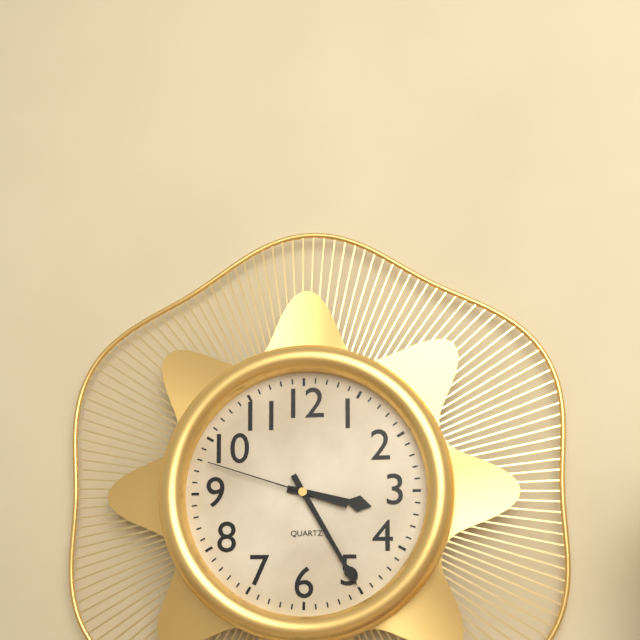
3h25m48s
